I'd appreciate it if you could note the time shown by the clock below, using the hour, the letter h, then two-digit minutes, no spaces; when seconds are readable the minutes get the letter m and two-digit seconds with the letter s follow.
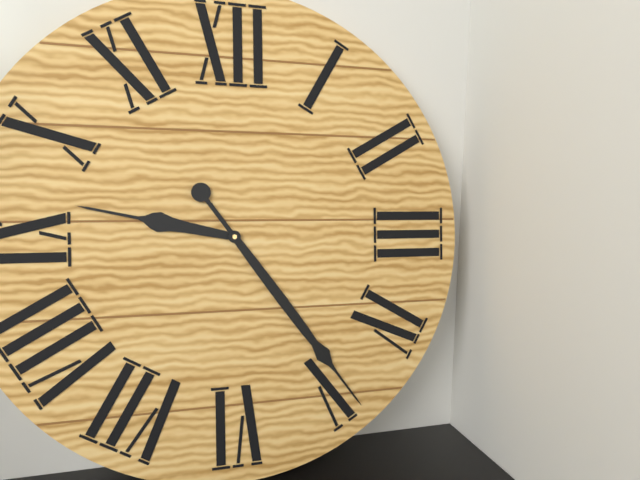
9h24
